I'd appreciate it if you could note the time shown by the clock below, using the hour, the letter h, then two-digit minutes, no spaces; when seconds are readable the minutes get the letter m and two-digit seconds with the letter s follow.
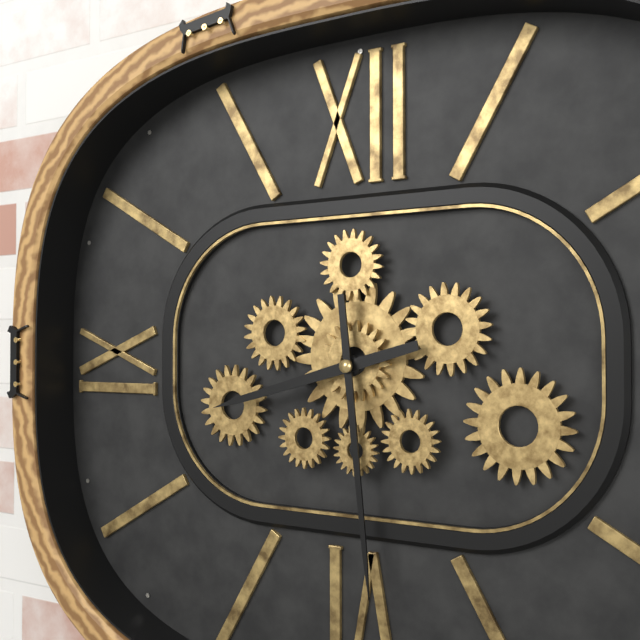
8h29
